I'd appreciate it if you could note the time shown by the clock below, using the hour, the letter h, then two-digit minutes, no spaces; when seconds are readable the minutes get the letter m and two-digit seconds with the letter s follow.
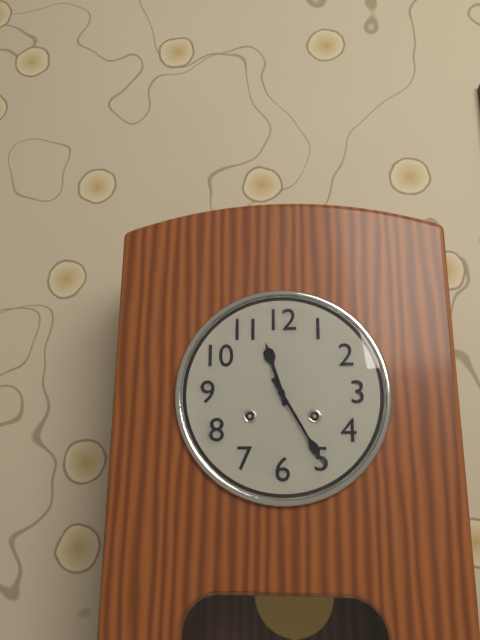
11h25
